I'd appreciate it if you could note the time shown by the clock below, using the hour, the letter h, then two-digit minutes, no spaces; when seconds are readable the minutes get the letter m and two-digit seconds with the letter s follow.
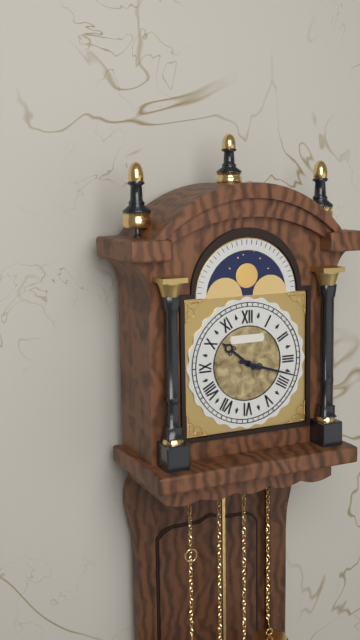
10h18
